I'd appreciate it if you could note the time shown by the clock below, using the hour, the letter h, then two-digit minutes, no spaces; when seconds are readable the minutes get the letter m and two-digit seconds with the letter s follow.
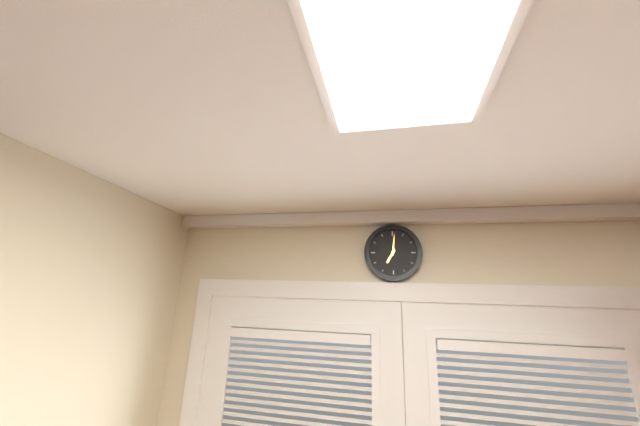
7h01
